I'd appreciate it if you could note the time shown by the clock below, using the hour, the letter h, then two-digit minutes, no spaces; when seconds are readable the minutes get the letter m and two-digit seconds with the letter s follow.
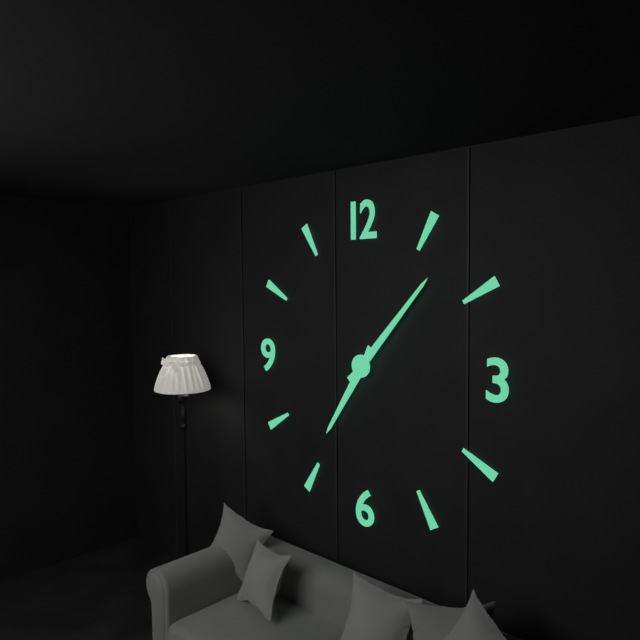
7h07
